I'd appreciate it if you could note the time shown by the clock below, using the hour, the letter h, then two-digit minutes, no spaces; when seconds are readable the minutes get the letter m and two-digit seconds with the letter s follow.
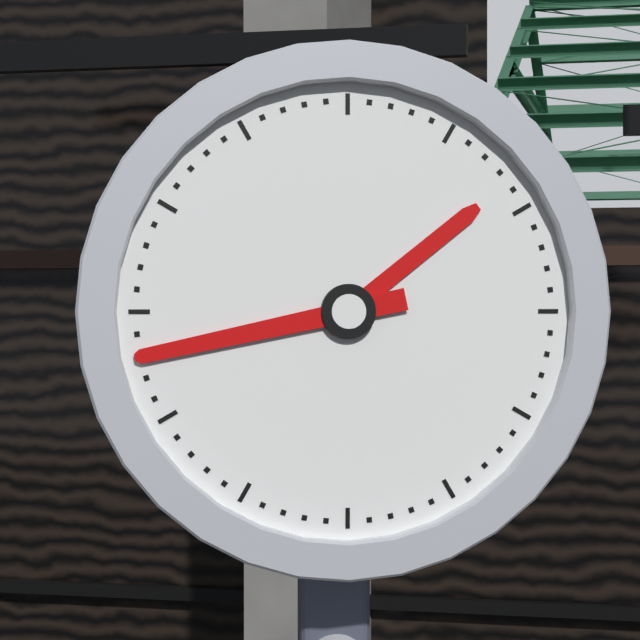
1h43
